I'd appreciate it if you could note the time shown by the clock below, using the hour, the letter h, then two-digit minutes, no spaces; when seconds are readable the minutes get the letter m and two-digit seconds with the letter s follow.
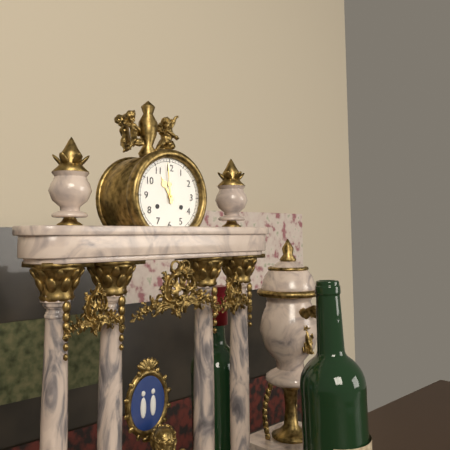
10h59
